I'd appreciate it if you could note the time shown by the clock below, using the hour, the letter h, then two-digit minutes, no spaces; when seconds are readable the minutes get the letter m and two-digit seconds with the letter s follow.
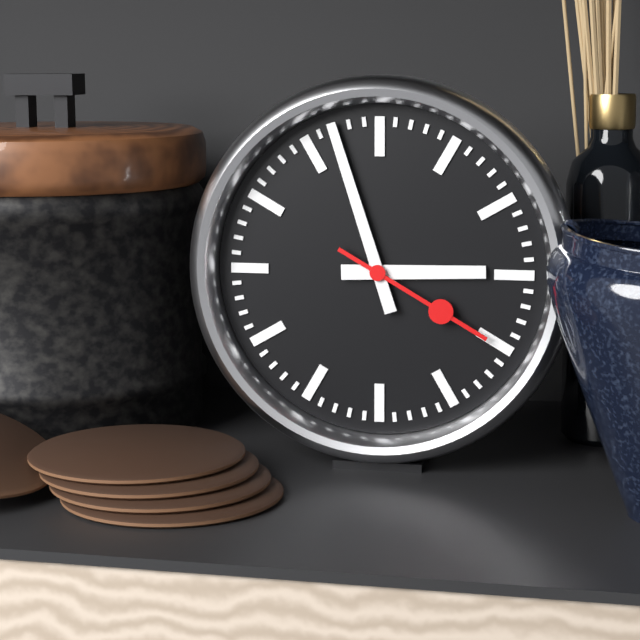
2h57m20s
